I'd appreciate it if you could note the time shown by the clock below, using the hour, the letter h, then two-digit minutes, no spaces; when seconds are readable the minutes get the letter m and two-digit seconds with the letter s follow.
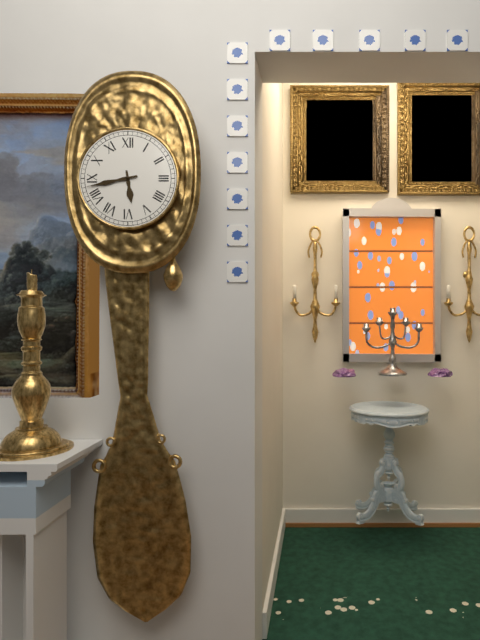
5h43
